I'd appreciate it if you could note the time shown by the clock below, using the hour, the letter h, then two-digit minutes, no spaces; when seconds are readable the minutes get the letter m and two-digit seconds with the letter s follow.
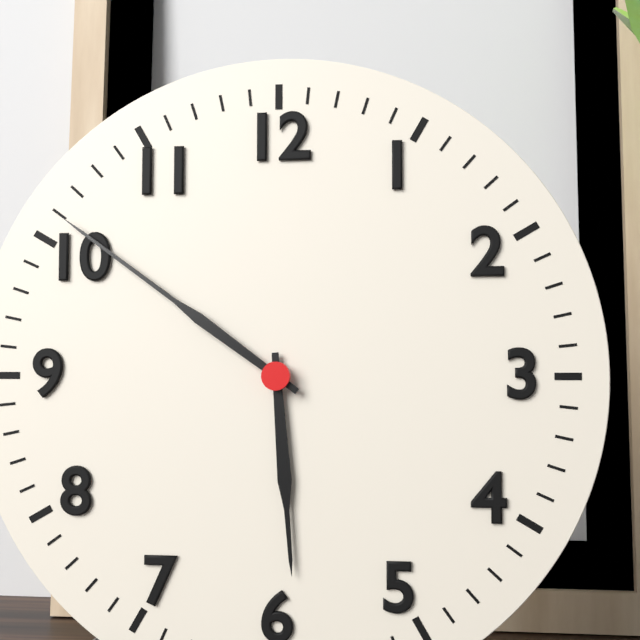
5h51
